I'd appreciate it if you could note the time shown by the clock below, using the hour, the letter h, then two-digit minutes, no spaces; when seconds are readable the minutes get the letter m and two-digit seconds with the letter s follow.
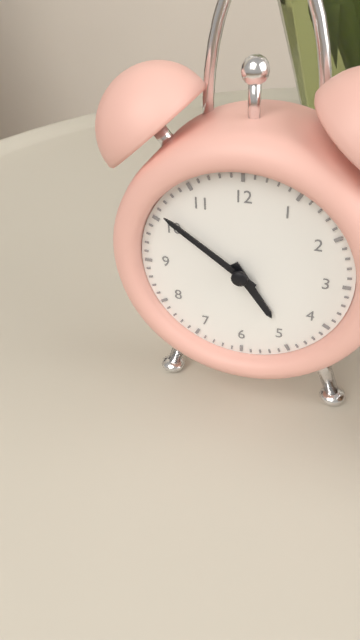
4h51
